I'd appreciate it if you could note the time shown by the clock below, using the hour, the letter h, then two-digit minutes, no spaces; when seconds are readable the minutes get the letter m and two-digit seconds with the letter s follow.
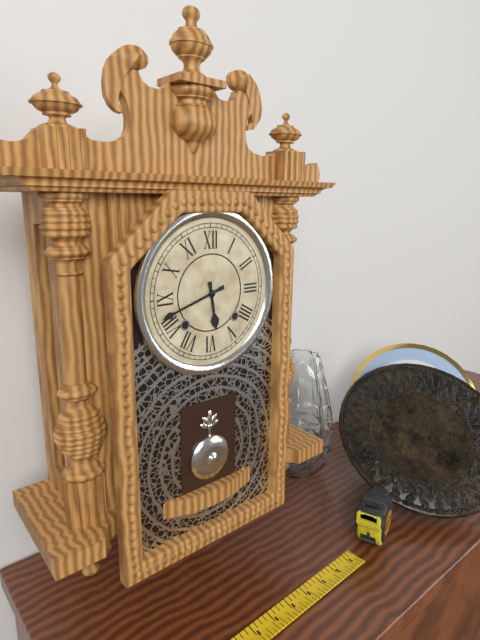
5h42
